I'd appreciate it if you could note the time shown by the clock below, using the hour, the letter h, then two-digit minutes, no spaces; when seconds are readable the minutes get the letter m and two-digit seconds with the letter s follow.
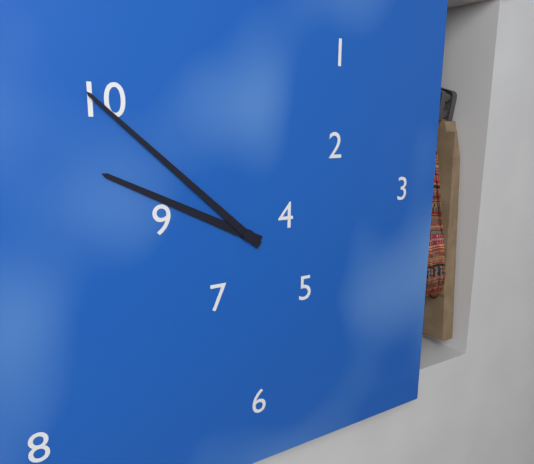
9h52
